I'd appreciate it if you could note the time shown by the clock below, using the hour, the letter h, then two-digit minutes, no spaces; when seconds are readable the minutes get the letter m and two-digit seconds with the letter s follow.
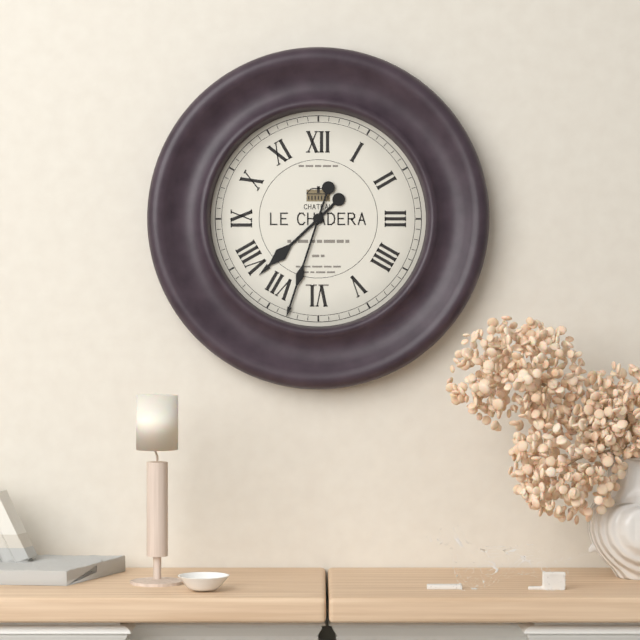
7h33
